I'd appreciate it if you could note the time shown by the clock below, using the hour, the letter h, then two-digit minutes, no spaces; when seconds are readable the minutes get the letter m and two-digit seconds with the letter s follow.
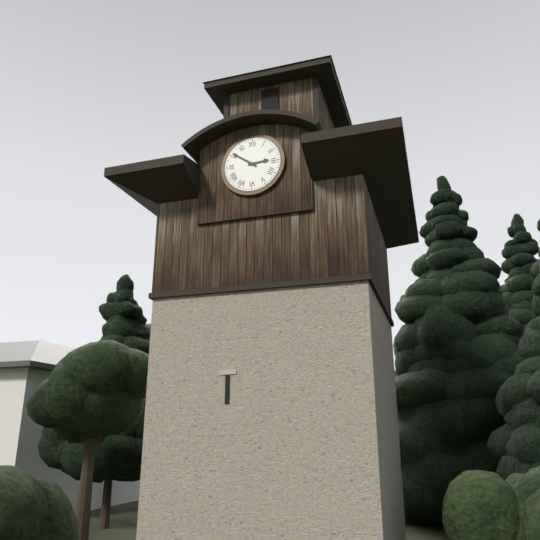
2h51
